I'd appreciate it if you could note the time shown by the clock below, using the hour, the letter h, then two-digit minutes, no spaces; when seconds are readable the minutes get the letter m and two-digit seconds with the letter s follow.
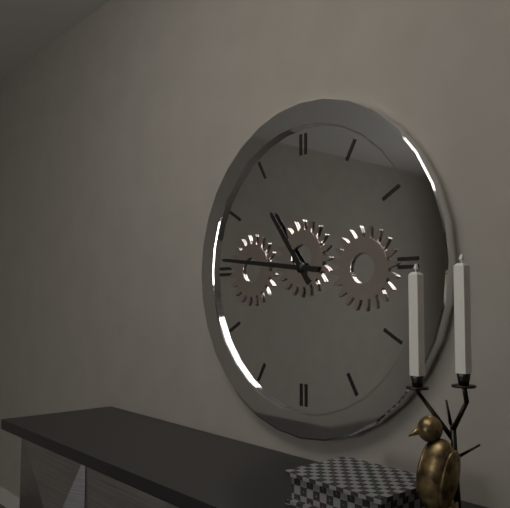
10h46
